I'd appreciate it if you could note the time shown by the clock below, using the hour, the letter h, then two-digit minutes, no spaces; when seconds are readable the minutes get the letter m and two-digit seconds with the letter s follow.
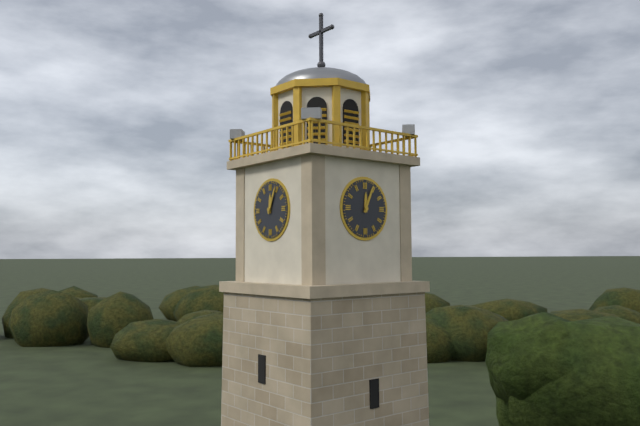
12h04
